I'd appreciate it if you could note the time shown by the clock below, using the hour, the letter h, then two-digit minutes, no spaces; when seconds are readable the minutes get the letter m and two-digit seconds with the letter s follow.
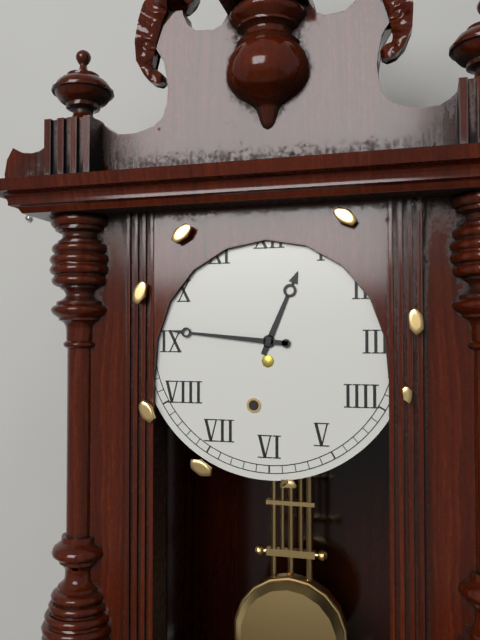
12h46
